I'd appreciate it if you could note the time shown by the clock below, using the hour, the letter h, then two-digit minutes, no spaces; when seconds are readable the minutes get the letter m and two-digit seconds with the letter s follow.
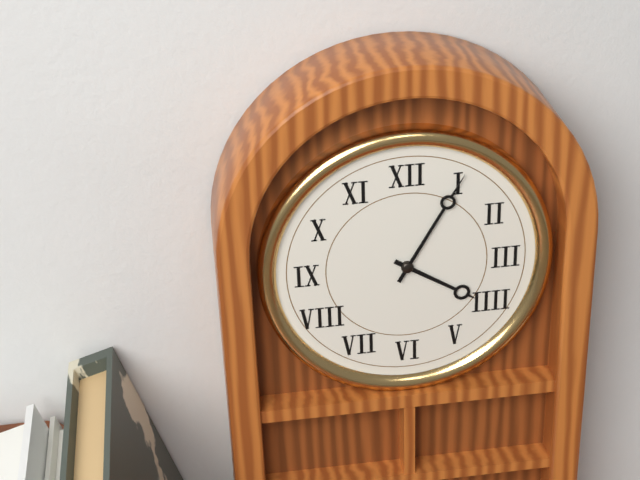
4h05
